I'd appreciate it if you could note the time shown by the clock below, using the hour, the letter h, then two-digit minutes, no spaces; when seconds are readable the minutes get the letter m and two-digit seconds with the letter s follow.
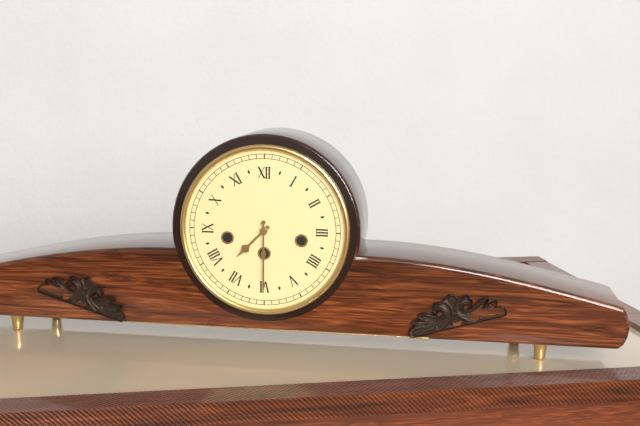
7h30
